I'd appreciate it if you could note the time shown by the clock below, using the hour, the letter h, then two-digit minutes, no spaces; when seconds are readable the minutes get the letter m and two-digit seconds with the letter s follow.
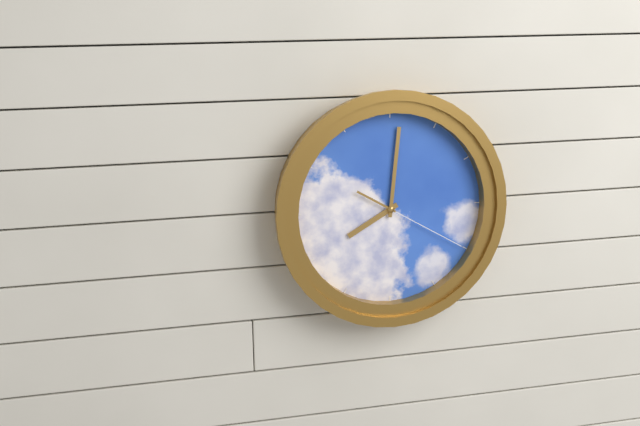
8h01m20s
